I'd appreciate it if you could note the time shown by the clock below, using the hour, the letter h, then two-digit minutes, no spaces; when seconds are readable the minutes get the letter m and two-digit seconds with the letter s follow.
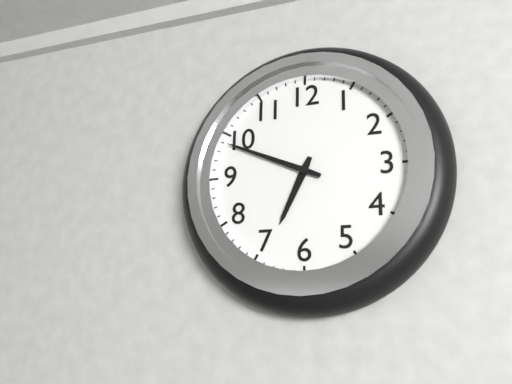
6h49
